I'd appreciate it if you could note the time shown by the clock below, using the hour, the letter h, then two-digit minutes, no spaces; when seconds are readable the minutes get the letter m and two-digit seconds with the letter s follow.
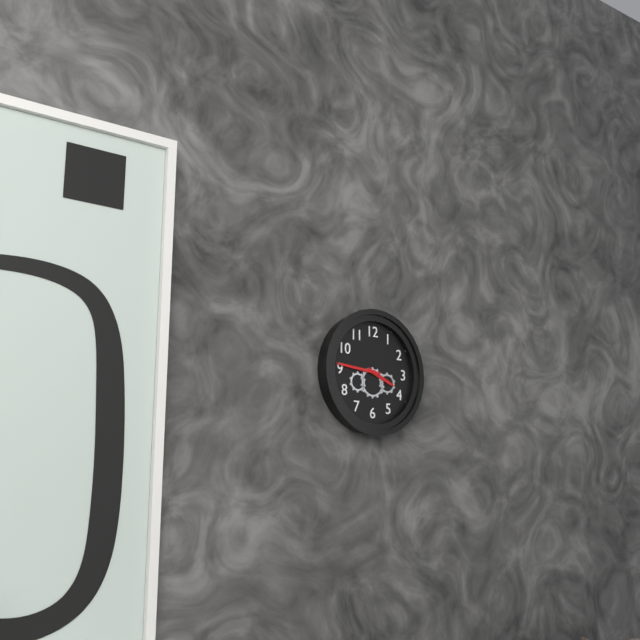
3h46
